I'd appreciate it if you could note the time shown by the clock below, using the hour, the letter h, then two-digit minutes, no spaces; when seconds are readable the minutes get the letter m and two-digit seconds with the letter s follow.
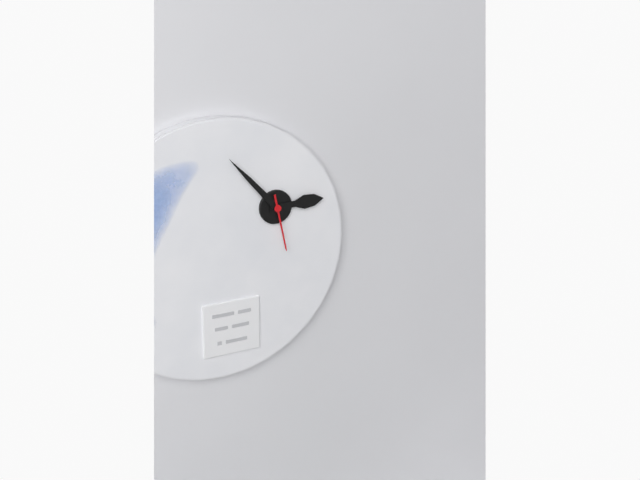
2h53m28s
